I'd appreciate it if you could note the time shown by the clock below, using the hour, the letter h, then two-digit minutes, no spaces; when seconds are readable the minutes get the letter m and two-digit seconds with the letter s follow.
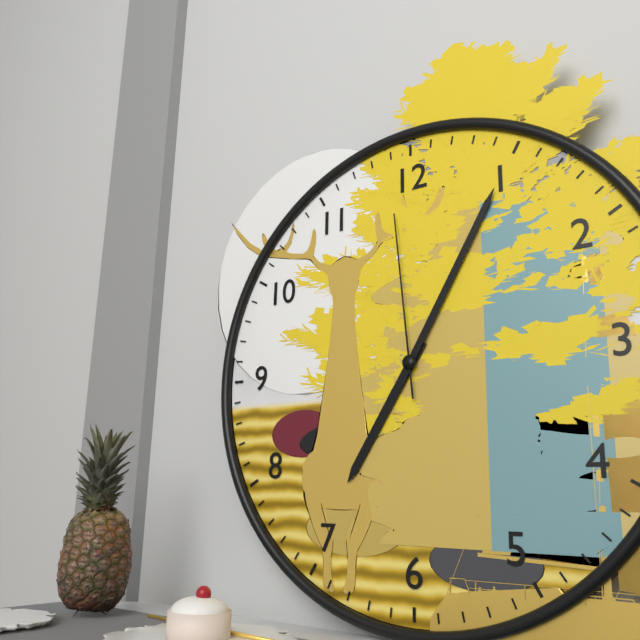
7h05m59s
